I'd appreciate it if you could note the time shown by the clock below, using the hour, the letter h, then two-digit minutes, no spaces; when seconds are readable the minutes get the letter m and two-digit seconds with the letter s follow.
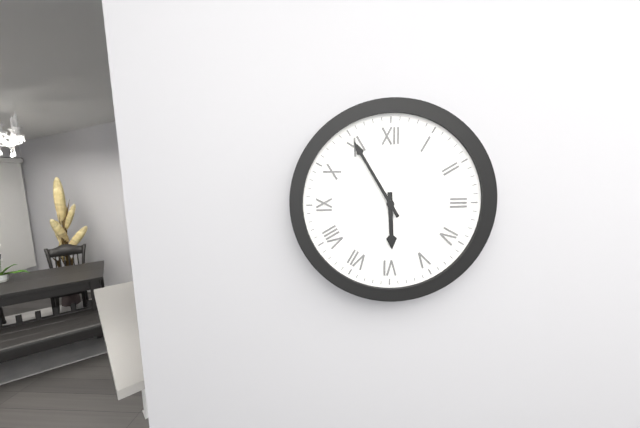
5h55
